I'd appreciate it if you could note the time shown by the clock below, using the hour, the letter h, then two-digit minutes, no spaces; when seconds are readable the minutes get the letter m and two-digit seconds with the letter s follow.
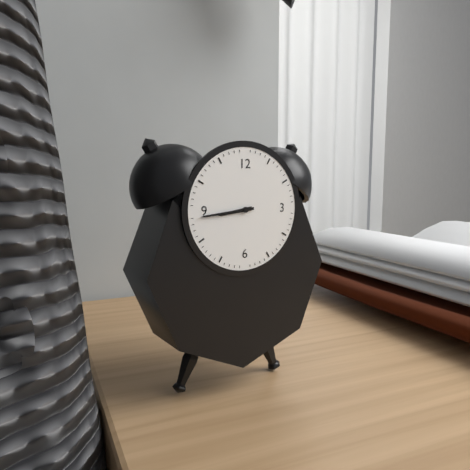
8h44
